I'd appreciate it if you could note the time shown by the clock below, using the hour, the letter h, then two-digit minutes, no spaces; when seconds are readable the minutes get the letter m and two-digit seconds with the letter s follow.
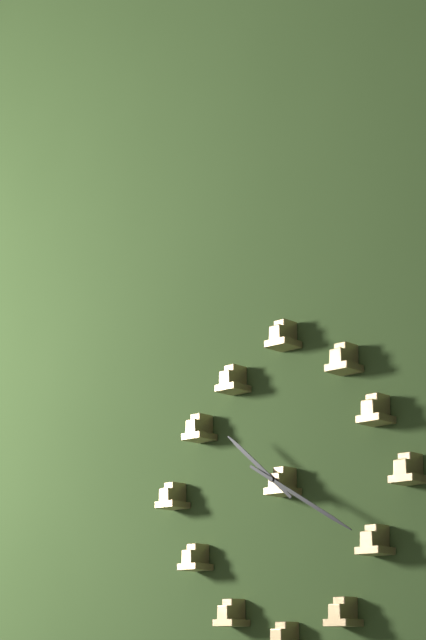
10h20
